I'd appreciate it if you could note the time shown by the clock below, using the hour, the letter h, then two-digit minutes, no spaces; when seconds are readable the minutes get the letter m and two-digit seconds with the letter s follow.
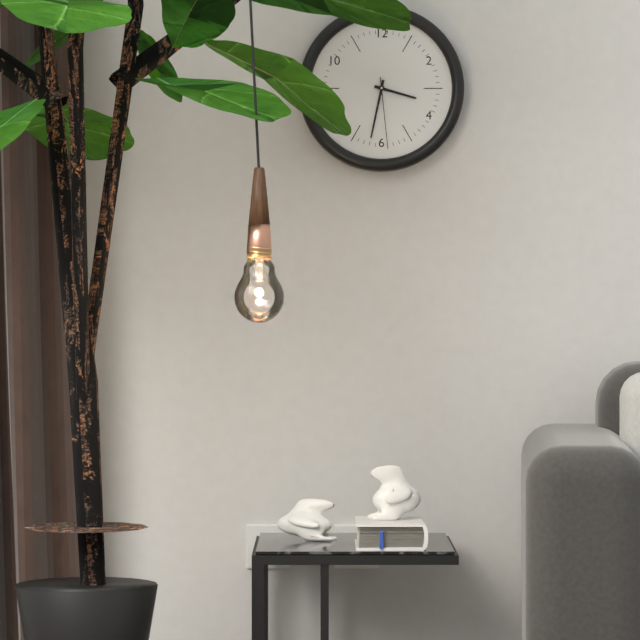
3h32m29s
